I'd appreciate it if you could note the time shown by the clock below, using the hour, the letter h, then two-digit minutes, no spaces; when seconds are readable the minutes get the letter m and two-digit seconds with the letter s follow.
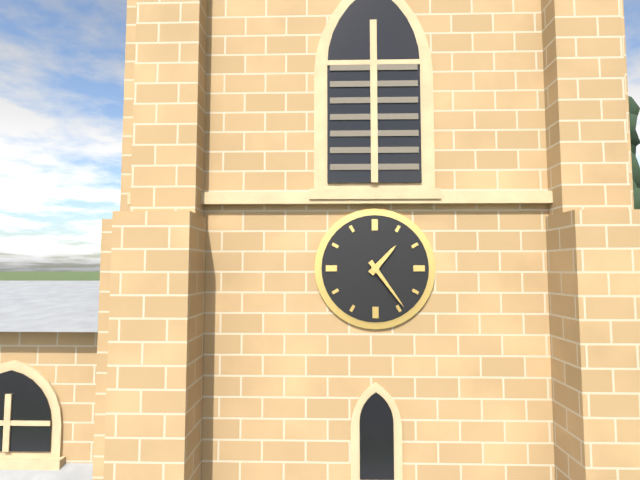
1h24
